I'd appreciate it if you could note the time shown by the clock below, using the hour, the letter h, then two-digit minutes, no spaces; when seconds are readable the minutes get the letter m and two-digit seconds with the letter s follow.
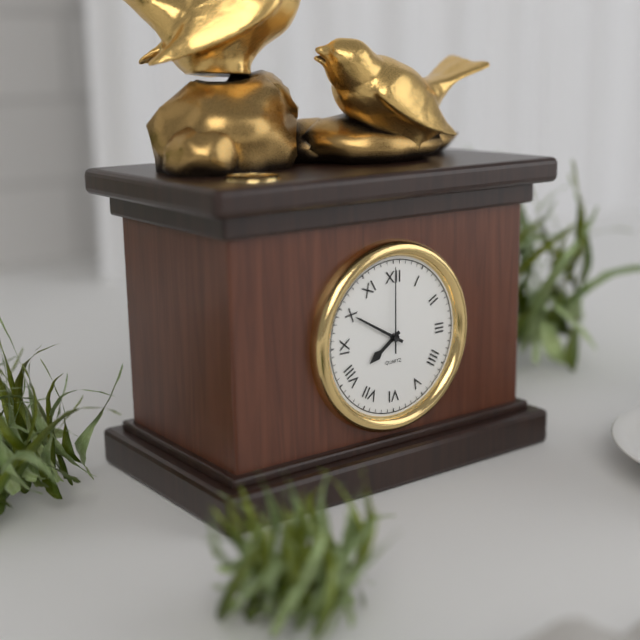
7h50m00s
